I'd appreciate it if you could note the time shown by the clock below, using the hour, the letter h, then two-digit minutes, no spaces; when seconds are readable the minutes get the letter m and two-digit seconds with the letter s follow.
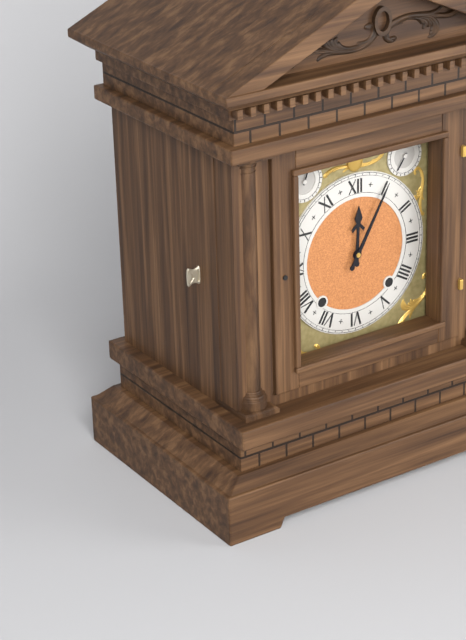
12h05
